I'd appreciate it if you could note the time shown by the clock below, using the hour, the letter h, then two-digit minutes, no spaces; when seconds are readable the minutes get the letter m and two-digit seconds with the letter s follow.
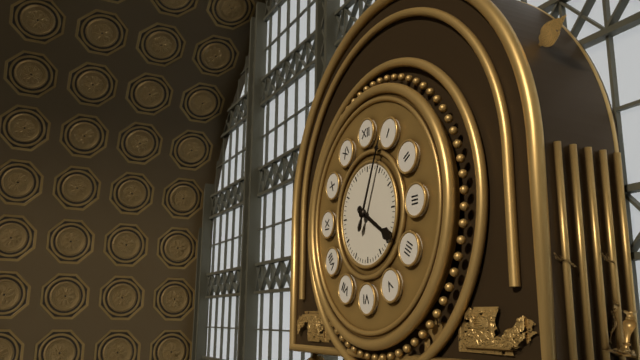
4h04
